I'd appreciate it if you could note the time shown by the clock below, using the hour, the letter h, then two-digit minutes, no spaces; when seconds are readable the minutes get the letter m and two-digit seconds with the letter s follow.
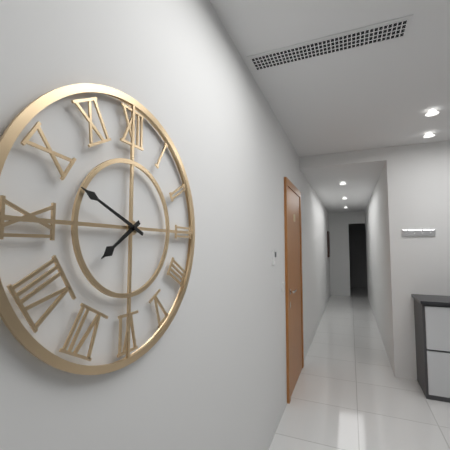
7h49
